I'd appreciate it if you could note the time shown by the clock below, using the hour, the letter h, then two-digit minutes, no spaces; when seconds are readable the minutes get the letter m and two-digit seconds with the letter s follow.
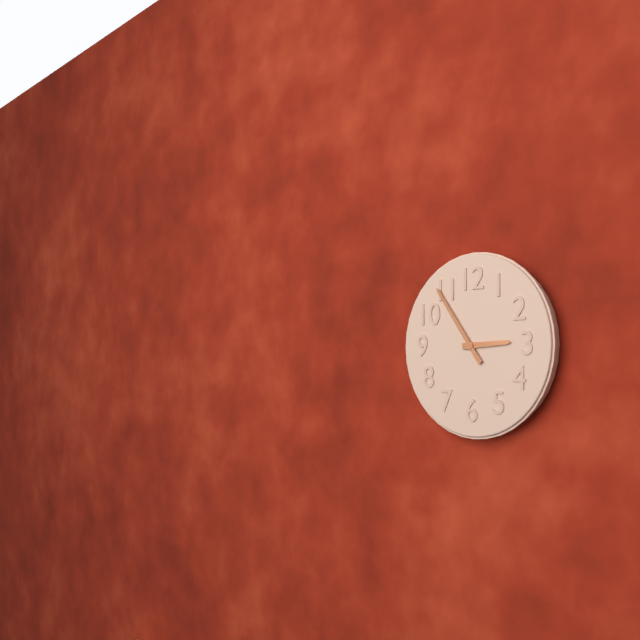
2h54
